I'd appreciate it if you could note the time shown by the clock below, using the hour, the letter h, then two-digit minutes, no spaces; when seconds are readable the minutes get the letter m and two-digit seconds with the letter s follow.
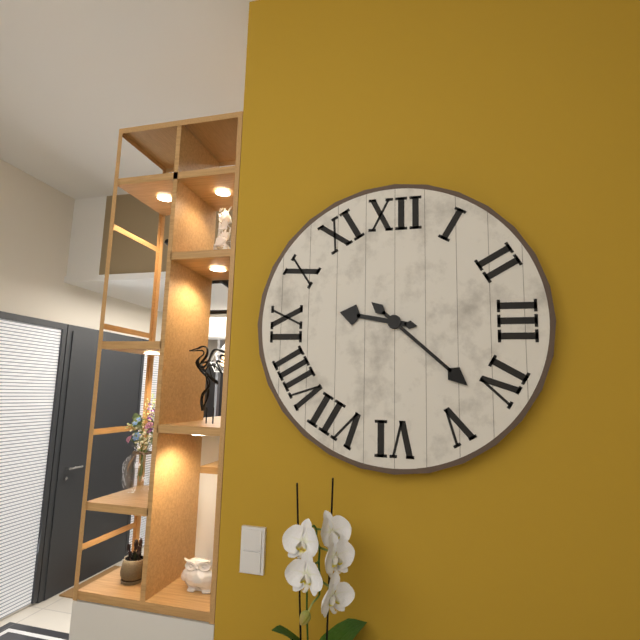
9h22
